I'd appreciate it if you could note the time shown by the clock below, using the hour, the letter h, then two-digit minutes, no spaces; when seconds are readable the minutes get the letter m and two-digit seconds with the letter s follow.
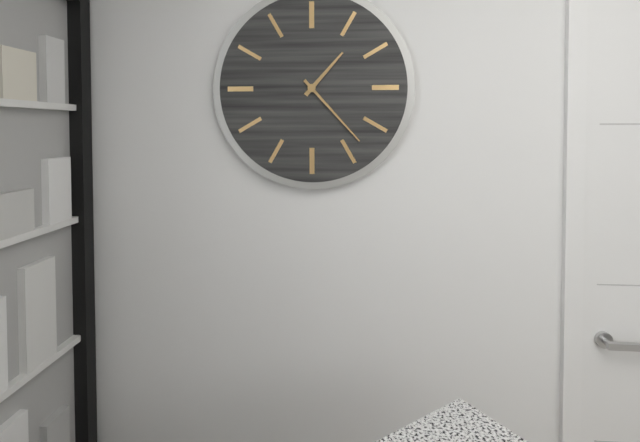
1h23
